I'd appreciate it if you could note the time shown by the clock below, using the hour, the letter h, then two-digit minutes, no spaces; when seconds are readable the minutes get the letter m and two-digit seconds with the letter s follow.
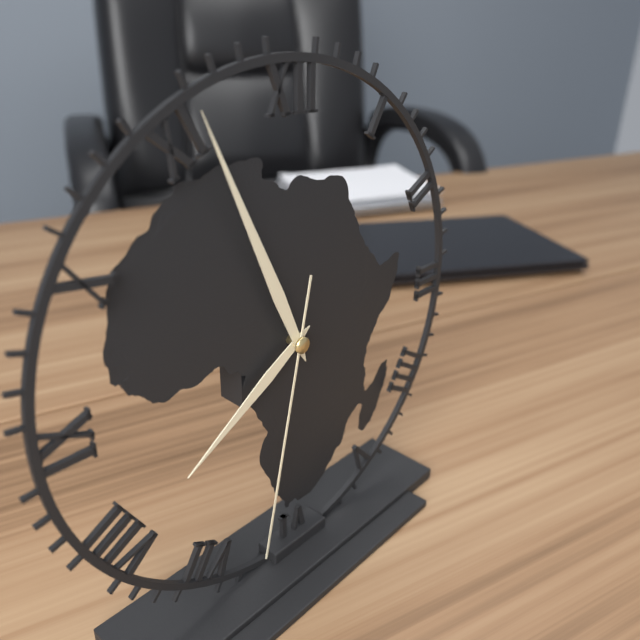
7h56m32s
